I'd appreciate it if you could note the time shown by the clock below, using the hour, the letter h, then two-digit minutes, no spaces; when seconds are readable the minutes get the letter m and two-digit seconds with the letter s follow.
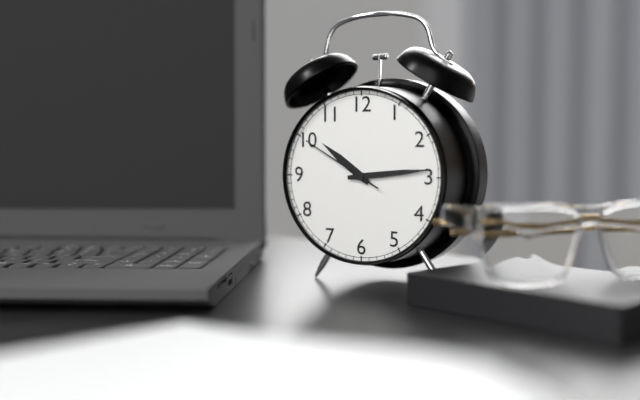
10h14m50s
